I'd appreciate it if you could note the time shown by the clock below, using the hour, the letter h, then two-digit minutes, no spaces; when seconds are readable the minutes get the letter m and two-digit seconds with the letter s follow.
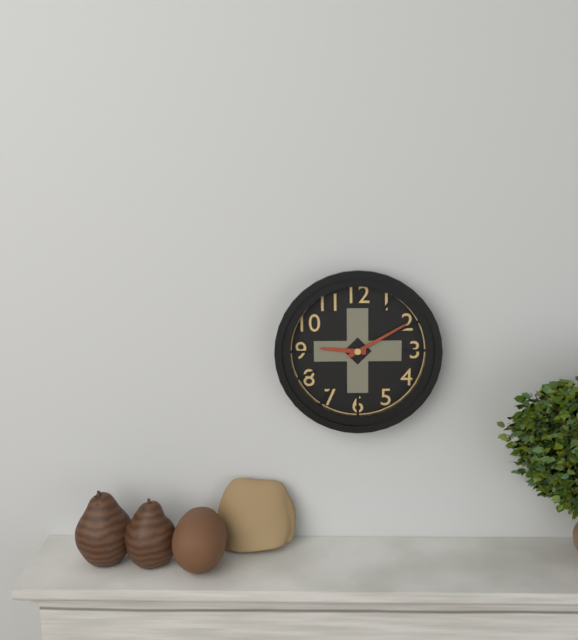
9h10
